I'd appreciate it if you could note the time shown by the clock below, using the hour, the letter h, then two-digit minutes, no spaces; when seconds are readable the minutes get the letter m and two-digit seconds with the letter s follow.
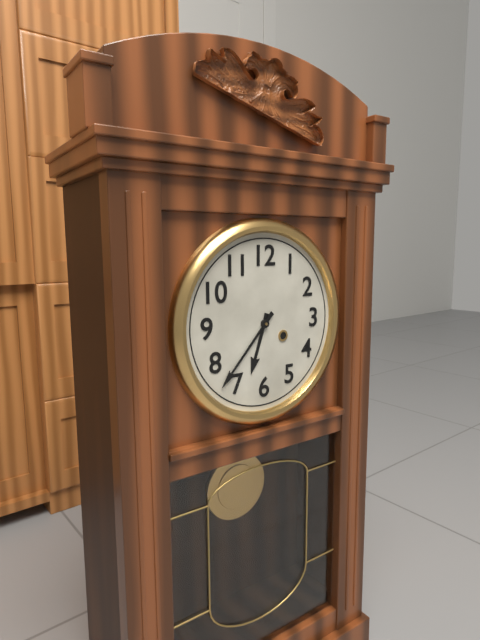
6h37
